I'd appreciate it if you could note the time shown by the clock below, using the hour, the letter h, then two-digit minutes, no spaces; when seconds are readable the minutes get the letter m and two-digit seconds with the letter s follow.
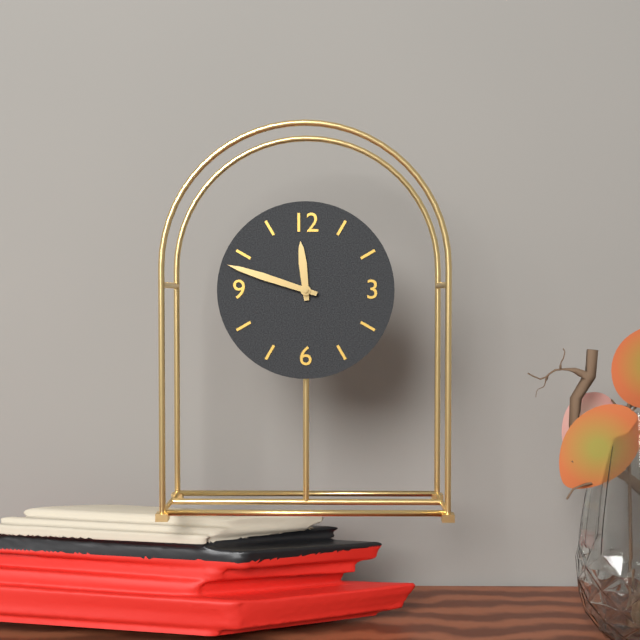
11h48
